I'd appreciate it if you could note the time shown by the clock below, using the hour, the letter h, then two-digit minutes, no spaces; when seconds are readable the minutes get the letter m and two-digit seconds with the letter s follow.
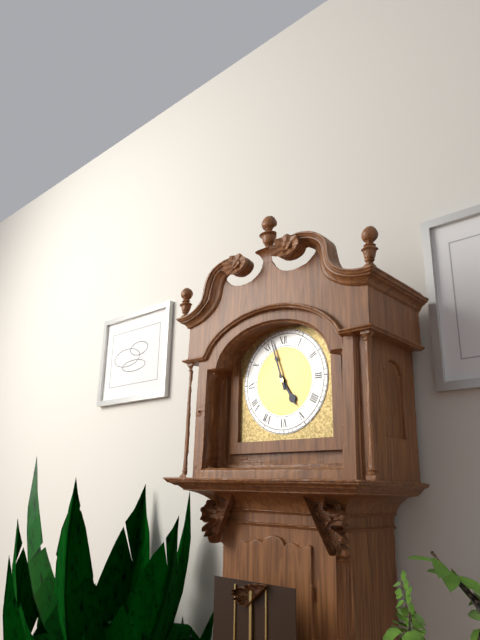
4h57
